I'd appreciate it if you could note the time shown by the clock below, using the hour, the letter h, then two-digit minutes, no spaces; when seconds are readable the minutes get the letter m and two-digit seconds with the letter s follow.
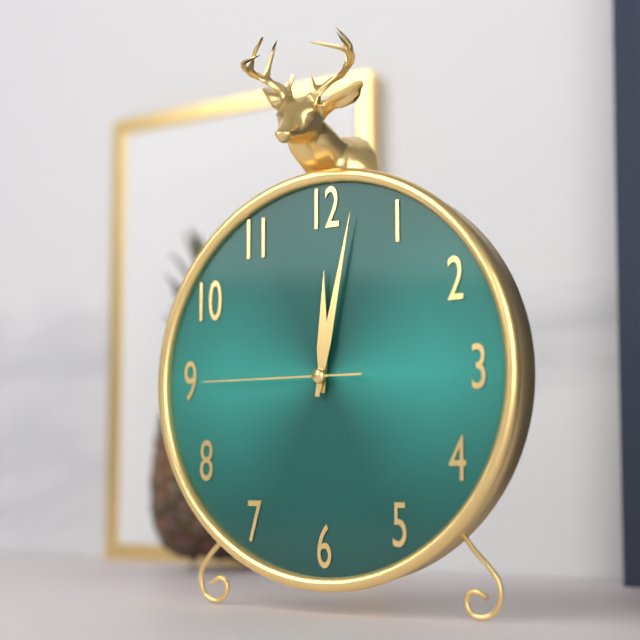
12h02m45s
